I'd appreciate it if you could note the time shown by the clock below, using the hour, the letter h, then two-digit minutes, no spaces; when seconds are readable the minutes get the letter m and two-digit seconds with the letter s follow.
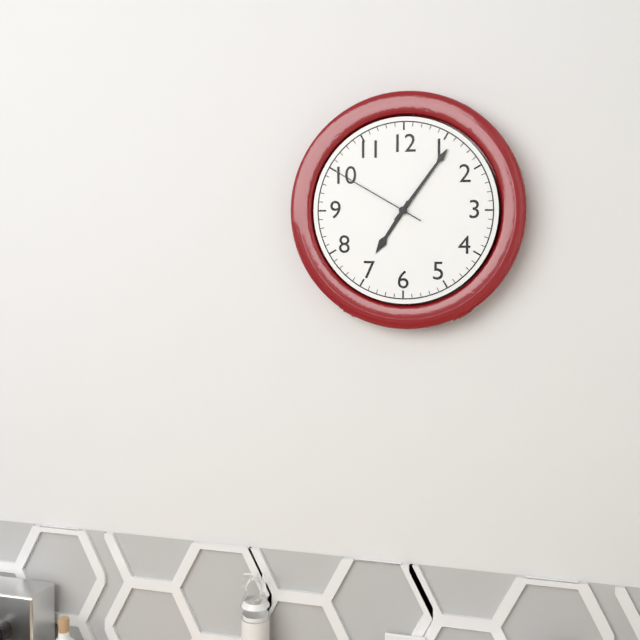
7h06m50s
